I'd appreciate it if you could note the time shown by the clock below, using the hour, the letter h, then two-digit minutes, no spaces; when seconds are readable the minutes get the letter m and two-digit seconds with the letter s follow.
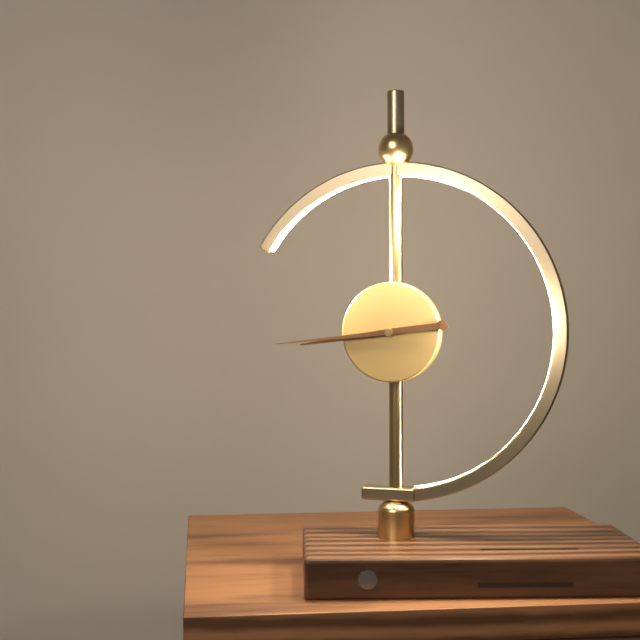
8h44
